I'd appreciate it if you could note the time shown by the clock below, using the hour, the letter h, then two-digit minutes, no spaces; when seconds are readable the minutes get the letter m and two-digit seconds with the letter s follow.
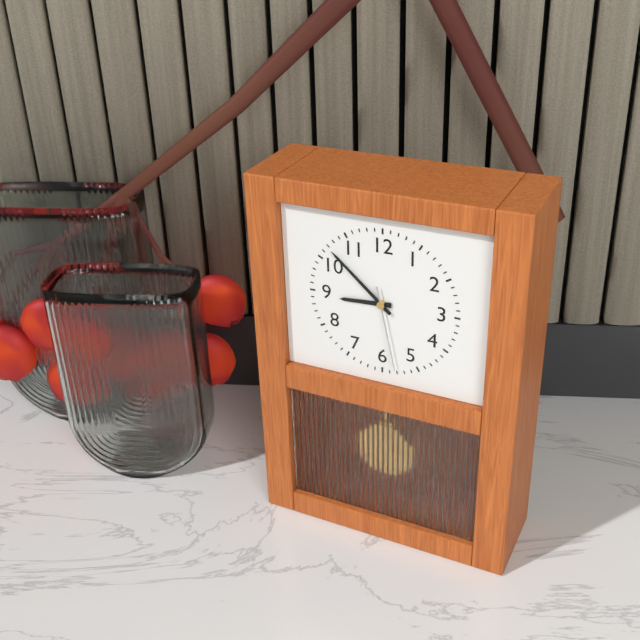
8h52m28s
